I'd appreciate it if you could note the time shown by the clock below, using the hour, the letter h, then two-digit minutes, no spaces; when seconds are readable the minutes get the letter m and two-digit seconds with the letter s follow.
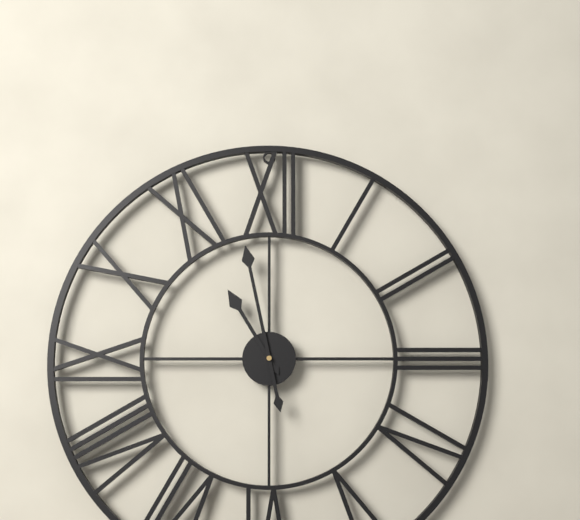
10h58
